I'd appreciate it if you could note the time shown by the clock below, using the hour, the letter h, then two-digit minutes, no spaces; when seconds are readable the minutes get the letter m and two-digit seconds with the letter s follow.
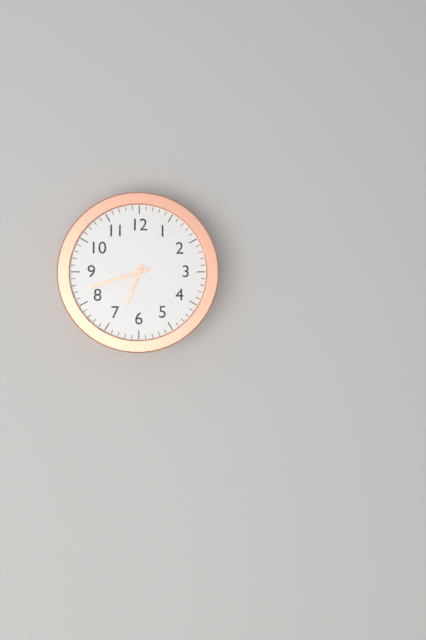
6h42
